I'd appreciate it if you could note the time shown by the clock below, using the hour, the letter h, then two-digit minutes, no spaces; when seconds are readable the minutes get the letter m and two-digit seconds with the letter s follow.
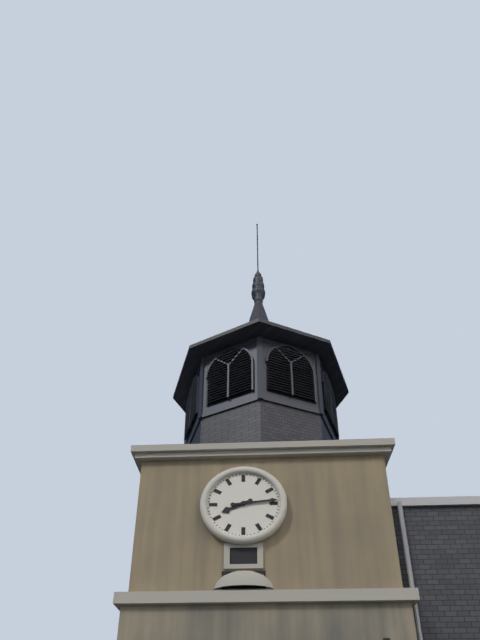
8h14
